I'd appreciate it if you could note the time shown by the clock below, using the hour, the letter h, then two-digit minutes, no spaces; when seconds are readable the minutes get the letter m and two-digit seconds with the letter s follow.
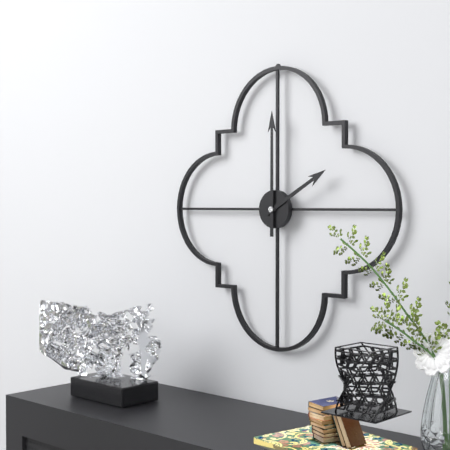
2h00
